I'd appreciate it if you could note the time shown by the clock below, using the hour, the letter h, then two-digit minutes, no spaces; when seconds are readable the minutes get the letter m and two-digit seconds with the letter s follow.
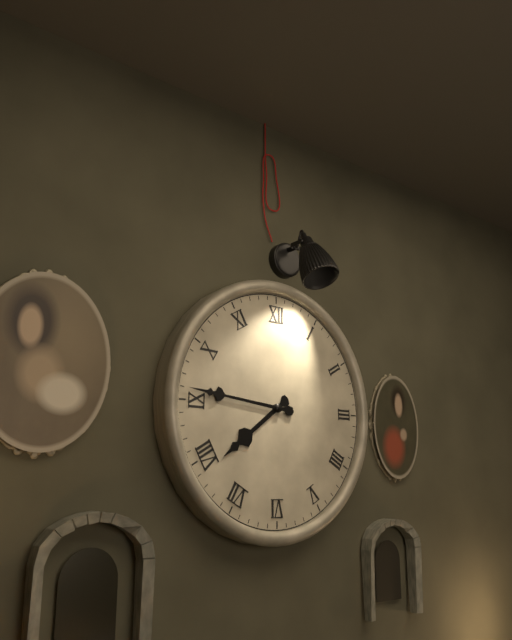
7h46
